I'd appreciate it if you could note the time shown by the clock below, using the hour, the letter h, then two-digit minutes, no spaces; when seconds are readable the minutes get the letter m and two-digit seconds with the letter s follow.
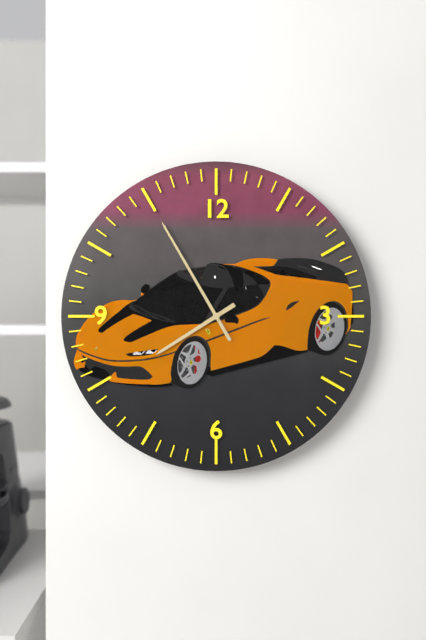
7h55
